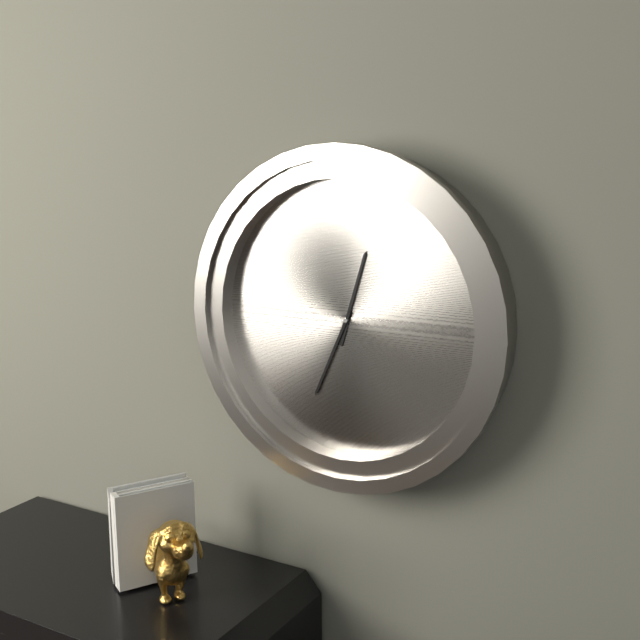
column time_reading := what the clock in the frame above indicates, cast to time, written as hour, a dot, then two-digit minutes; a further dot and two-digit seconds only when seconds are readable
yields 12.34
